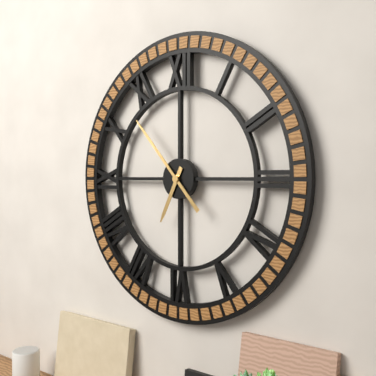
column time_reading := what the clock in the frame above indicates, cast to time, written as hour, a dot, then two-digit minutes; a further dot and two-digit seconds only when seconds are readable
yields 6.53
